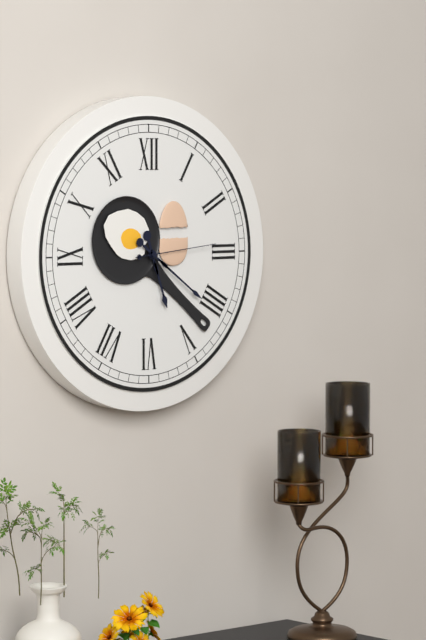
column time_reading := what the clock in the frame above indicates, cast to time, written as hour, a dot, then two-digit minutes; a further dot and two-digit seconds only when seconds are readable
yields 5.21.14
